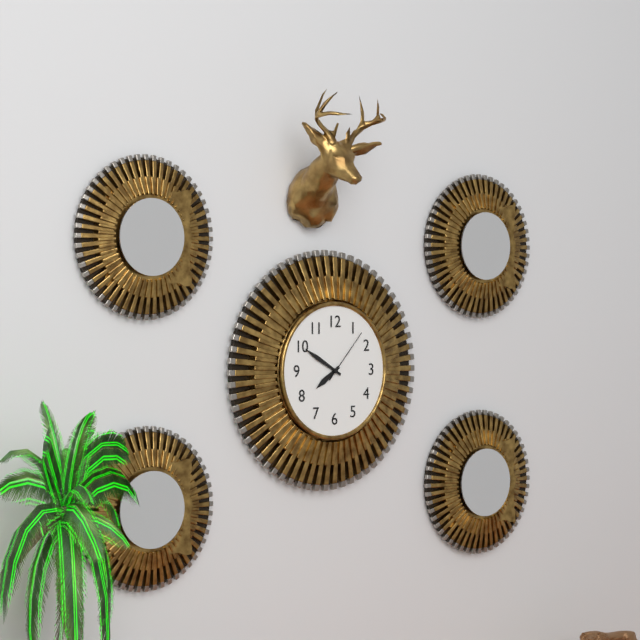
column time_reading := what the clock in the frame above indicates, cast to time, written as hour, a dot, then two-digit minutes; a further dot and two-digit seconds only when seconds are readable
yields 7.50.07
